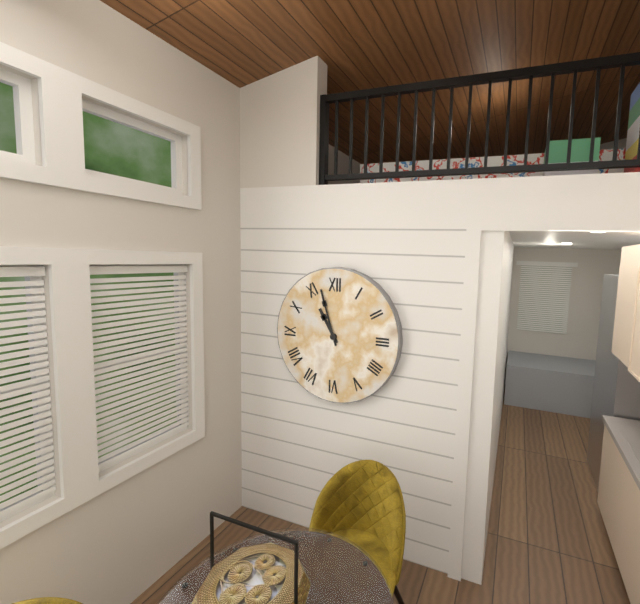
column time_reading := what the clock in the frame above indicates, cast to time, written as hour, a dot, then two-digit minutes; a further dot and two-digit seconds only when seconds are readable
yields 10.57
